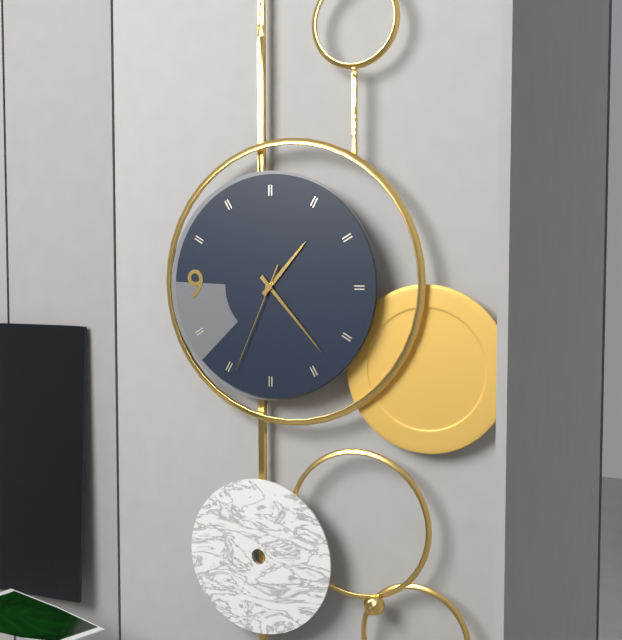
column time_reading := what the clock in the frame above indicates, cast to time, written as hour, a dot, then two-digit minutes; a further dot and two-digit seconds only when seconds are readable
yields 1.23.34
